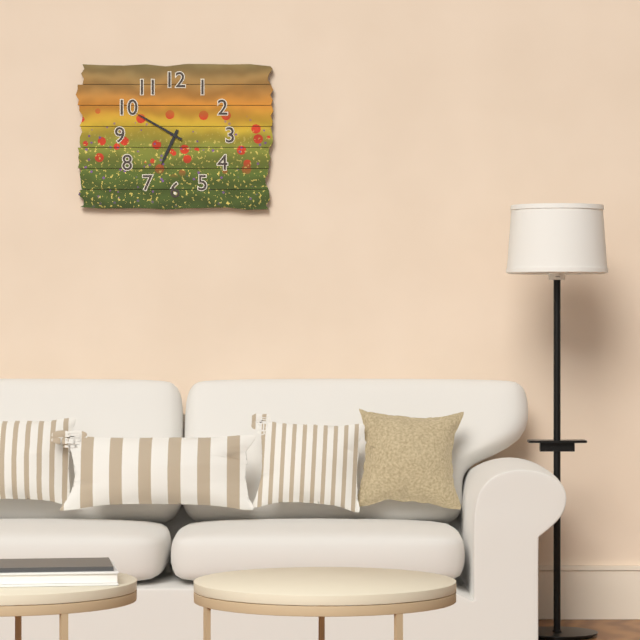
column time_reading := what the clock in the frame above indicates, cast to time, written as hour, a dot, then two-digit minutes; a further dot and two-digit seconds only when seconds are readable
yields 6.50
